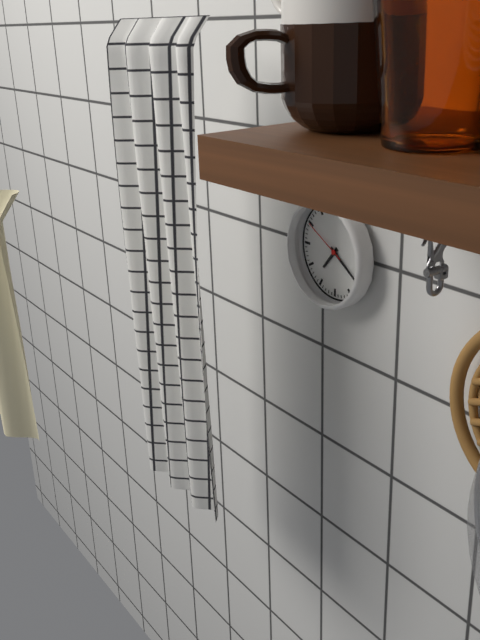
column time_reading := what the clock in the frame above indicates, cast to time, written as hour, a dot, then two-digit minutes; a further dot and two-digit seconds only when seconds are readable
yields 7.21
